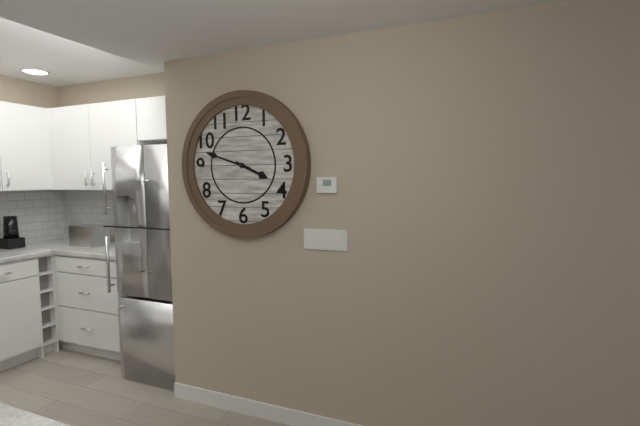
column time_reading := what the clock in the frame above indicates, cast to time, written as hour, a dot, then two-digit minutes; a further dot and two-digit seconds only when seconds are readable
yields 3.48
